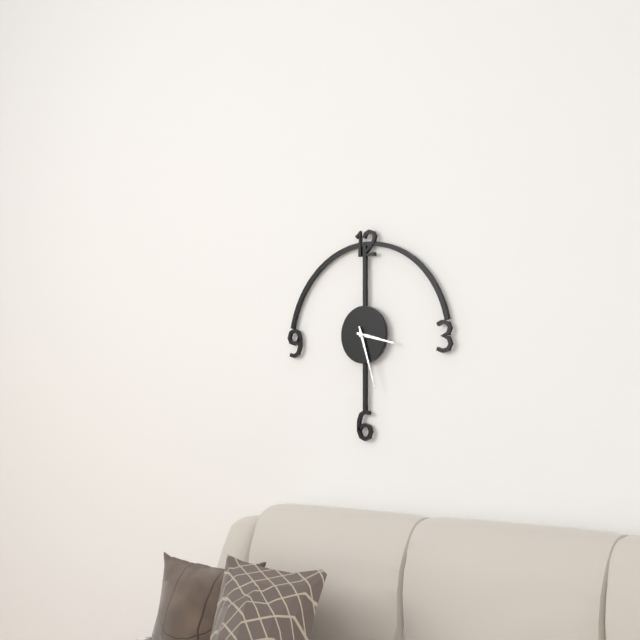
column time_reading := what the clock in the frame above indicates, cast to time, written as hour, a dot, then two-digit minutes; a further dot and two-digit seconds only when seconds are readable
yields 3.27
